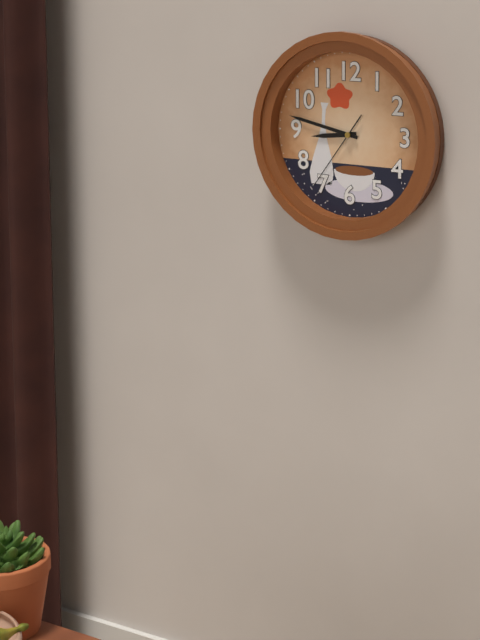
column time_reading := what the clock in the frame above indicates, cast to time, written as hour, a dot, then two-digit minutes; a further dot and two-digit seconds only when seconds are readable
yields 8.47.36
